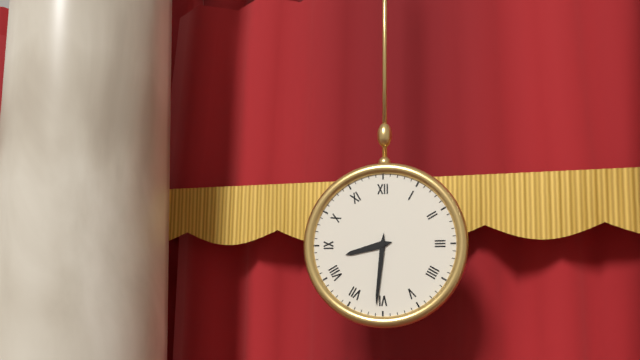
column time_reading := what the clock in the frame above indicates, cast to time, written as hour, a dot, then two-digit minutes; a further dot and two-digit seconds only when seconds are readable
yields 8.31
